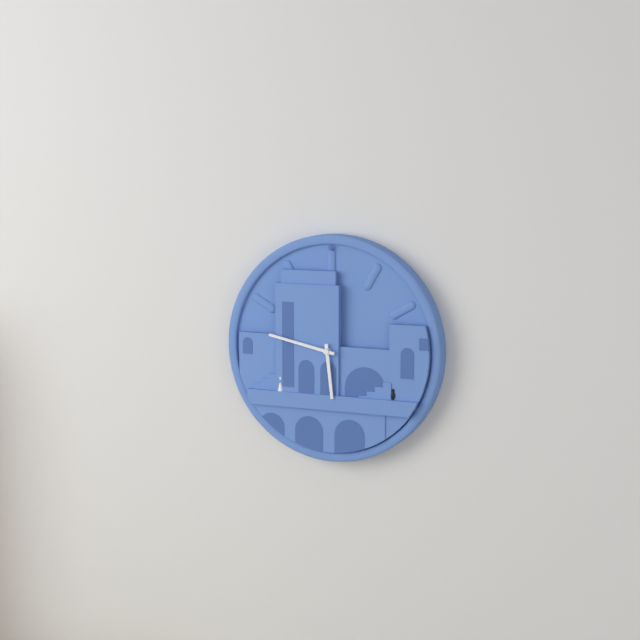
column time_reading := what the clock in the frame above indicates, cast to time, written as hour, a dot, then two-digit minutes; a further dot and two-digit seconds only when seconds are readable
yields 5.47
